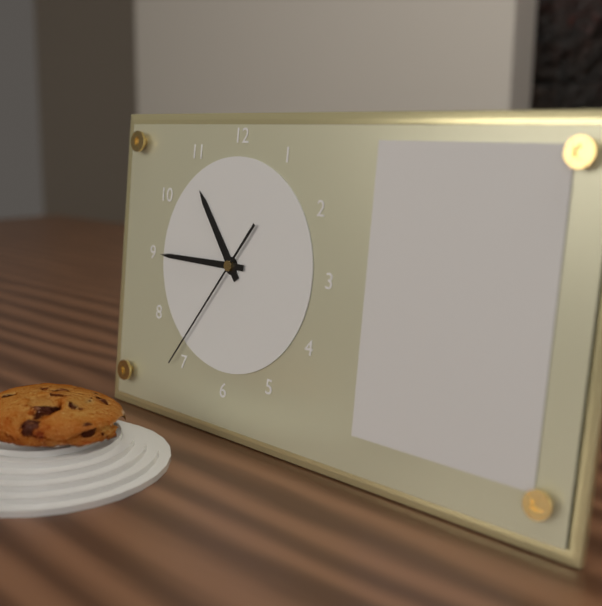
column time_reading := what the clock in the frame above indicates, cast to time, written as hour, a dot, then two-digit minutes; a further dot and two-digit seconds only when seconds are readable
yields 10.45.36
